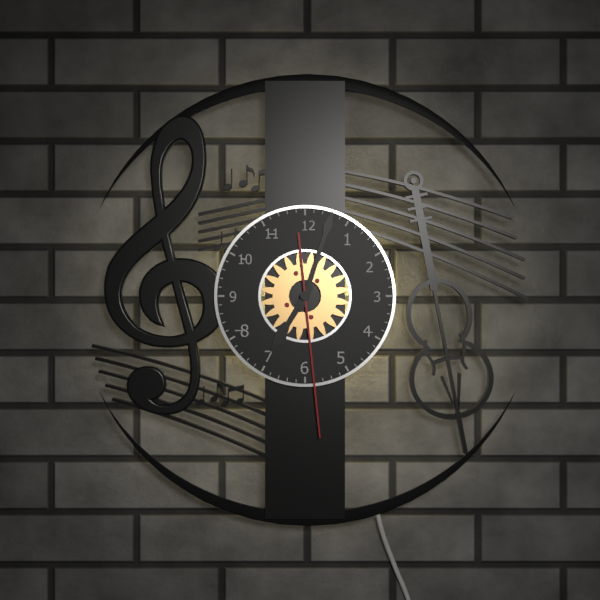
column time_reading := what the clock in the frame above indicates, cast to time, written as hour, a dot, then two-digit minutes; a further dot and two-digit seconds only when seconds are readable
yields 7.03.29
